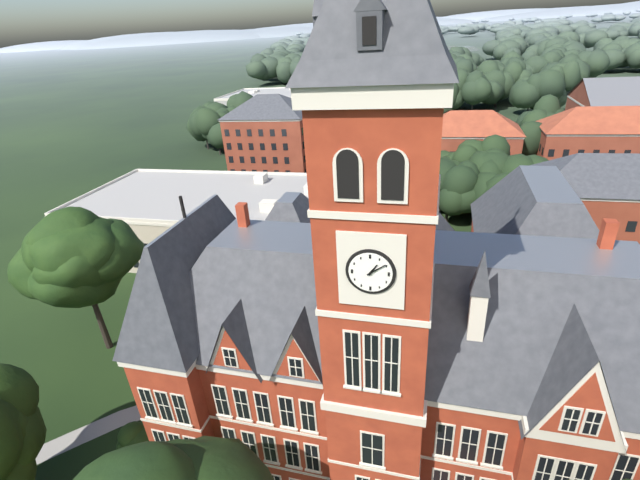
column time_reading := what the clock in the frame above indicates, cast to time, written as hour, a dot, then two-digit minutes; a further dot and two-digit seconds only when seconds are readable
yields 1.09
